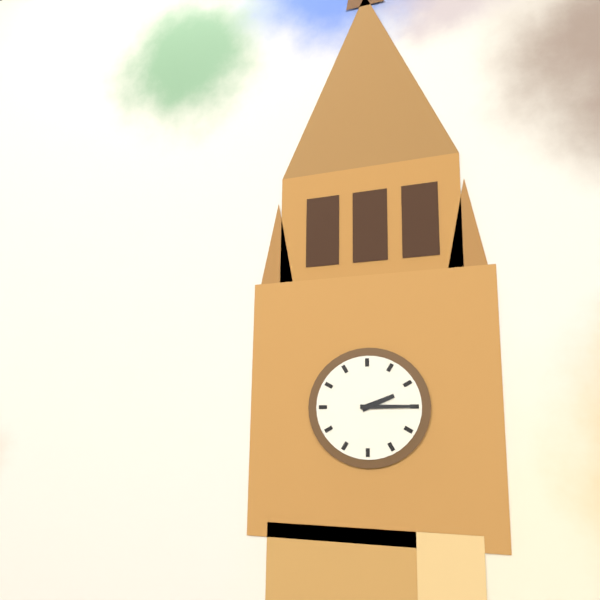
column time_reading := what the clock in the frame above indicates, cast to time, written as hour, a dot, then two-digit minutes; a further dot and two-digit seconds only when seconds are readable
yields 2.15
